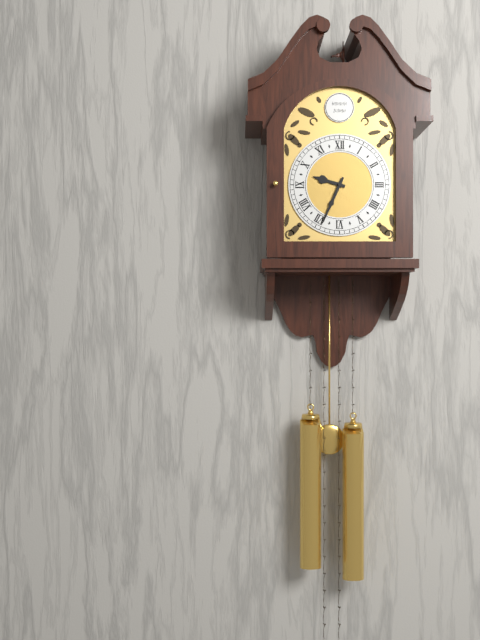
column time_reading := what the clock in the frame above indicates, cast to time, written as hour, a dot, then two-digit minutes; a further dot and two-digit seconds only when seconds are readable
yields 9.34
